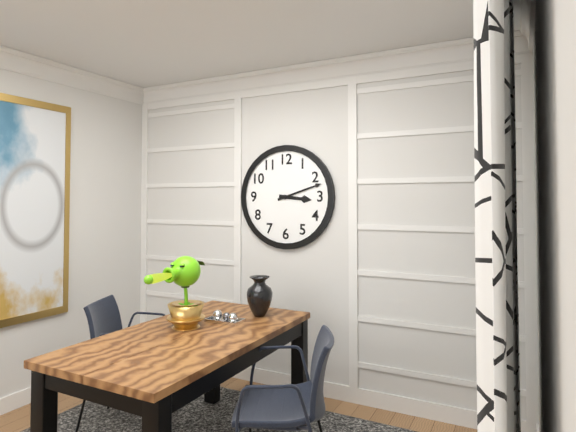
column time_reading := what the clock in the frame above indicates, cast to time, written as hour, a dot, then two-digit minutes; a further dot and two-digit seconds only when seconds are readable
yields 3.12
